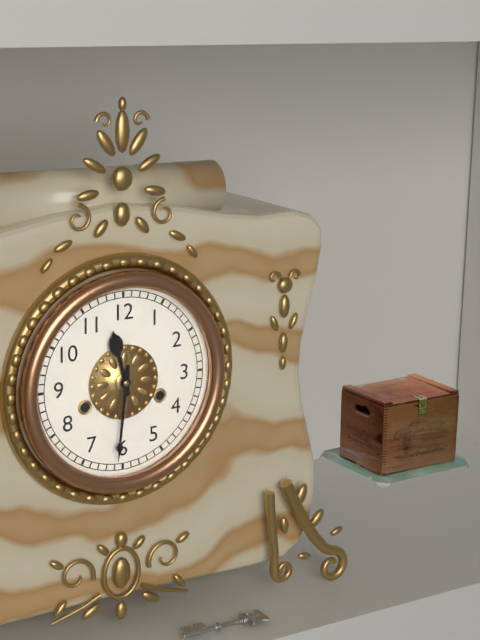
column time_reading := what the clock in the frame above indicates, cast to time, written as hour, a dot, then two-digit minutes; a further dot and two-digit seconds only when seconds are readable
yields 11.31
